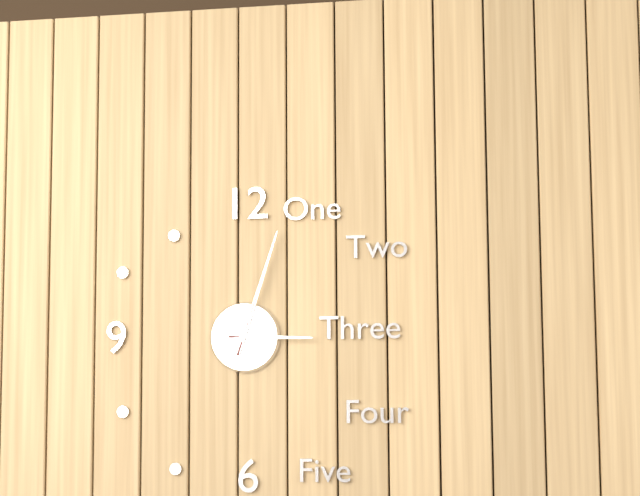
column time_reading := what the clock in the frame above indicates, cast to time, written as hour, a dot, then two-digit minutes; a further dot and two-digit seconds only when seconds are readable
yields 3.03
